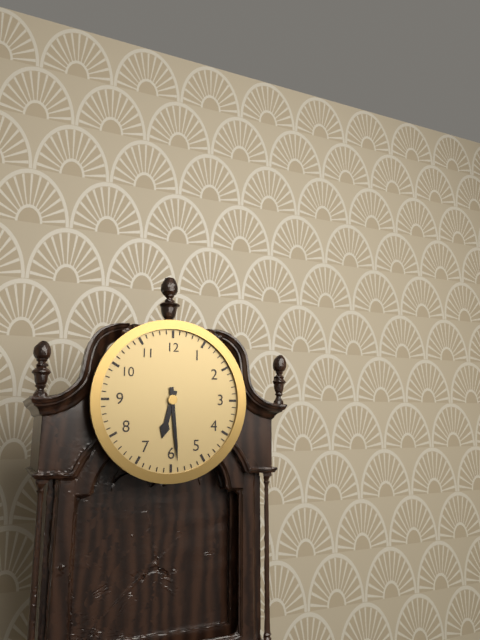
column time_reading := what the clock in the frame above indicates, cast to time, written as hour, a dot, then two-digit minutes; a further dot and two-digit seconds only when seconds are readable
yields 6.29
